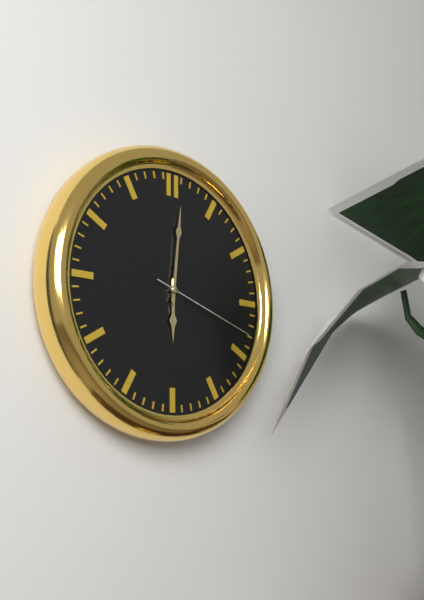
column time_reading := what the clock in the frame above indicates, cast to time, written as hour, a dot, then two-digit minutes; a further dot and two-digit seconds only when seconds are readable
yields 6.01.18
